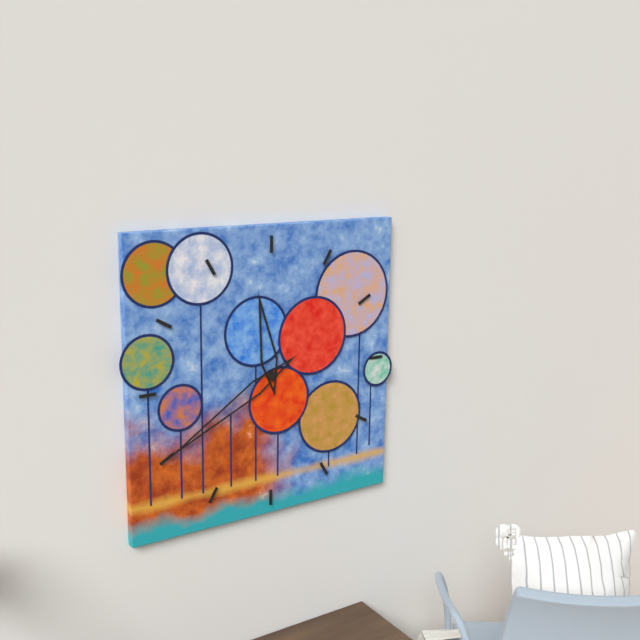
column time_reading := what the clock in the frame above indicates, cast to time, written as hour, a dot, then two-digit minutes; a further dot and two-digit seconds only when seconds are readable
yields 11.40
